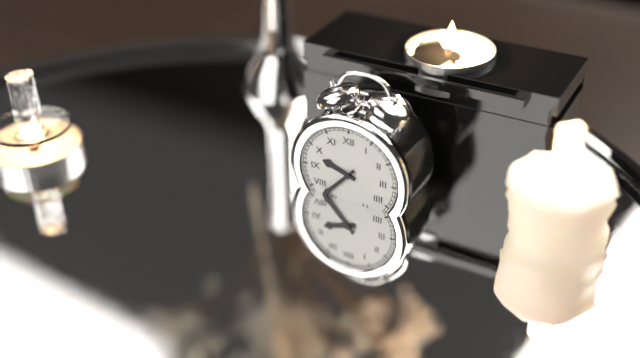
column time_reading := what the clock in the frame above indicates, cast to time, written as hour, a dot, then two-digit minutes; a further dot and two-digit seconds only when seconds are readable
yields 9.37
